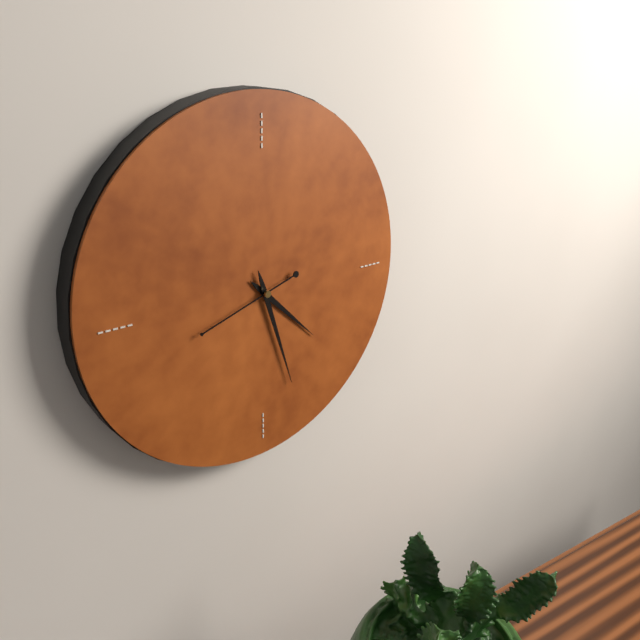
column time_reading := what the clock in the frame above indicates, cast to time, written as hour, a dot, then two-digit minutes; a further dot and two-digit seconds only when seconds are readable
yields 4.27.42
